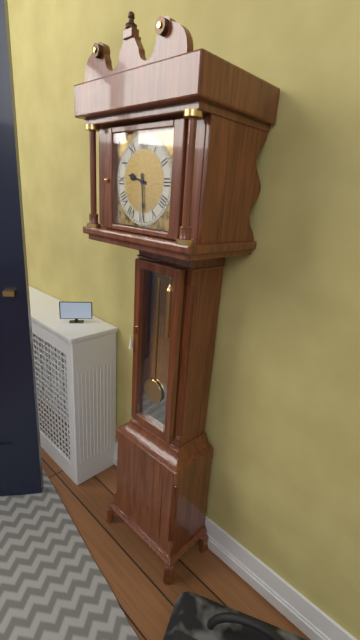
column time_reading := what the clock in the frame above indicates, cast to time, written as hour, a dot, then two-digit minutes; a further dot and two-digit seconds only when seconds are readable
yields 9.29
